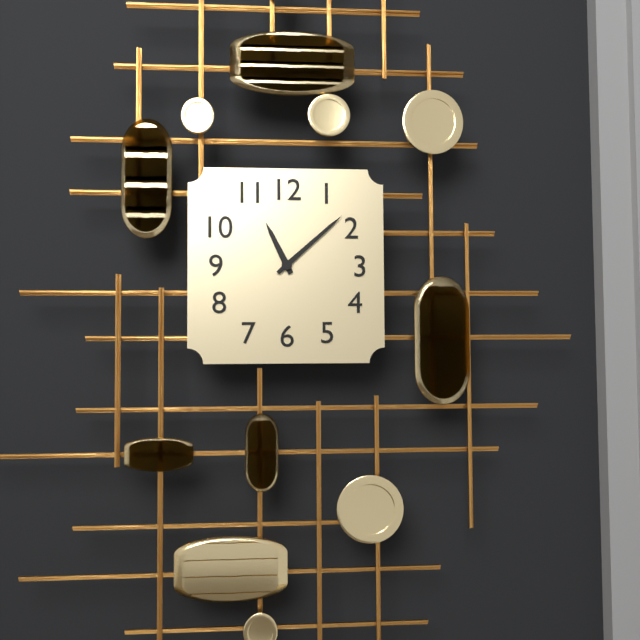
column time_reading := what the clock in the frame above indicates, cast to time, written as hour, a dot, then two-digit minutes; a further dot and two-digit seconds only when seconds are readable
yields 11.08
